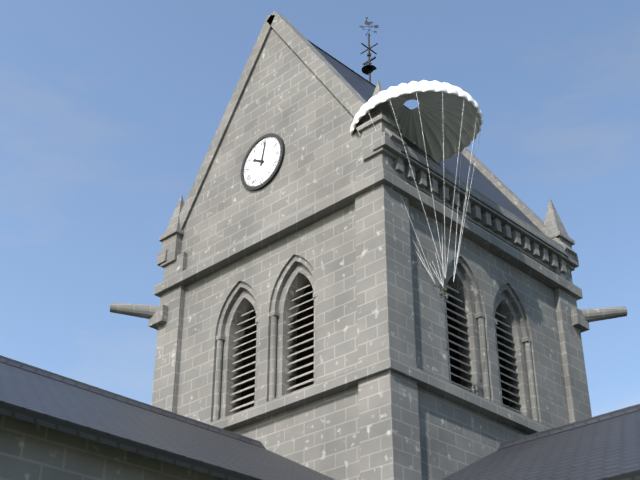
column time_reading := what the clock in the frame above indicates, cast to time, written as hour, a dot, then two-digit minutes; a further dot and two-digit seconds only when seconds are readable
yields 10.02
